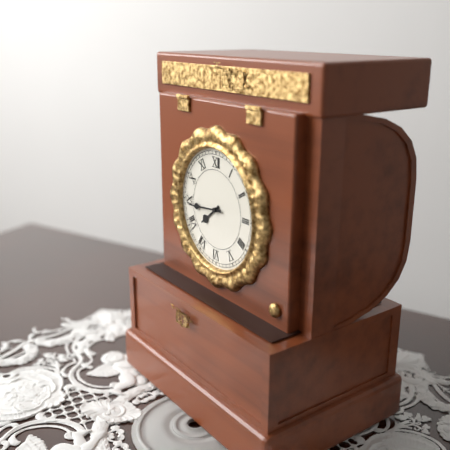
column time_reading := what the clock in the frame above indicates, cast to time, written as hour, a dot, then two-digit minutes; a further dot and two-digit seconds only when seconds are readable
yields 7.44
